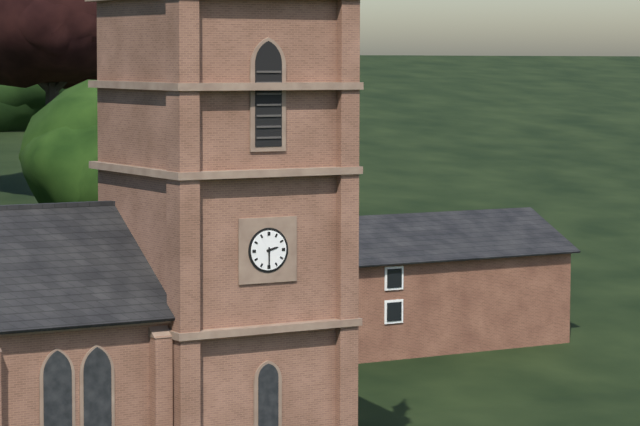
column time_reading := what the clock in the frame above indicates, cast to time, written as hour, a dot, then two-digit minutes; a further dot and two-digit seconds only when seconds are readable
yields 2.30
